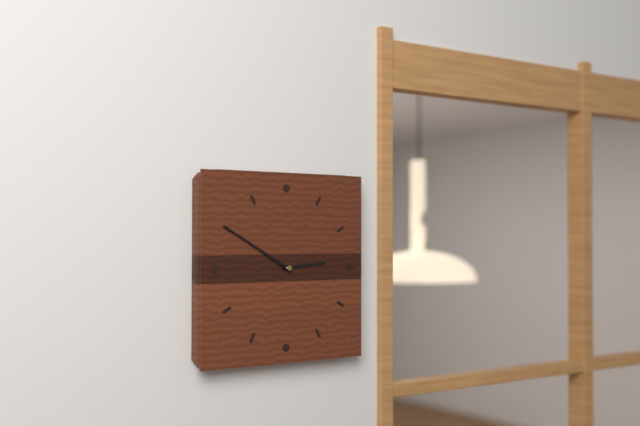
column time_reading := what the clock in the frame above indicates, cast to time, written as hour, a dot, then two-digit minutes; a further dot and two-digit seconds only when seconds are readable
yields 2.50
